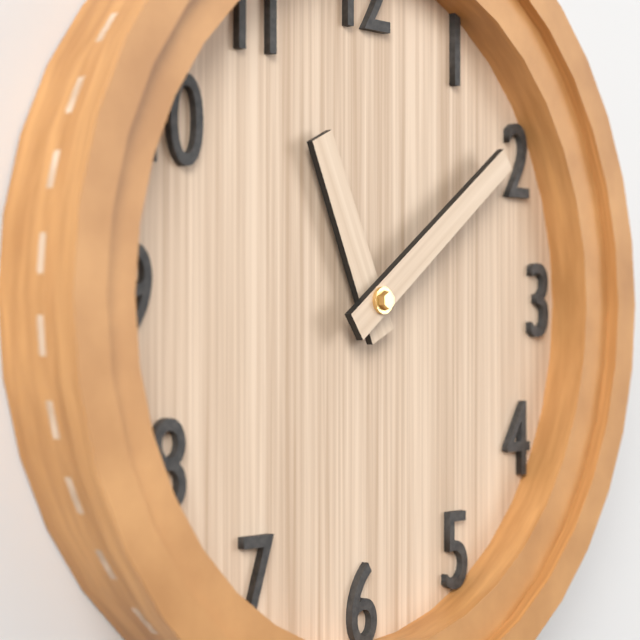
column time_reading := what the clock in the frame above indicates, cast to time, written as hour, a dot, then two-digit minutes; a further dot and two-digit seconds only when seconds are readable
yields 11.09
